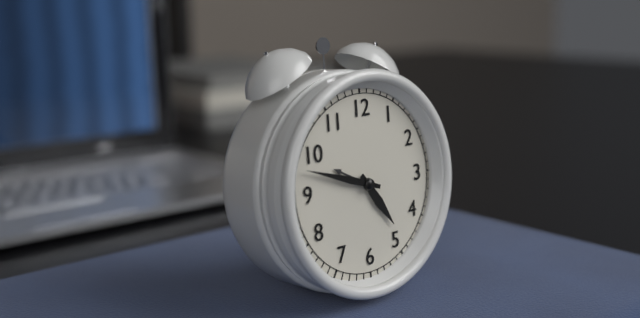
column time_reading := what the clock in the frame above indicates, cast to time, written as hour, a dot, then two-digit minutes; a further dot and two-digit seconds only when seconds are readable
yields 4.48
